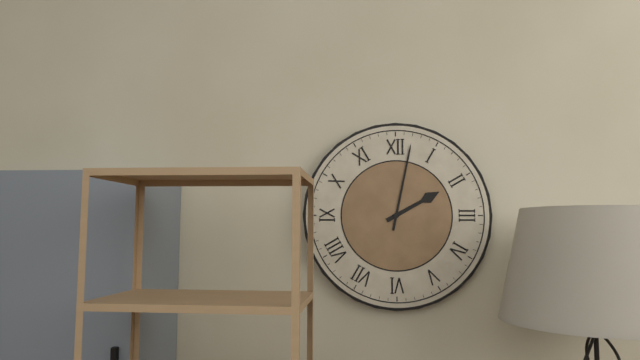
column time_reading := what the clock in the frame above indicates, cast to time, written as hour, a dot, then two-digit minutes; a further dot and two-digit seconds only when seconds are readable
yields 2.02
